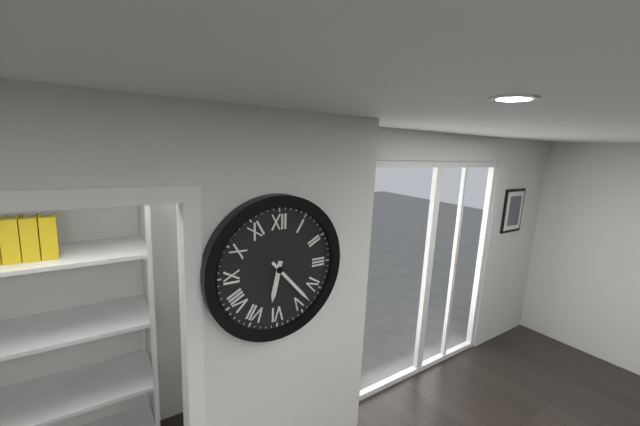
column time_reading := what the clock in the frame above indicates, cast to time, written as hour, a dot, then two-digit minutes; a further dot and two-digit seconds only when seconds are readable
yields 6.23
